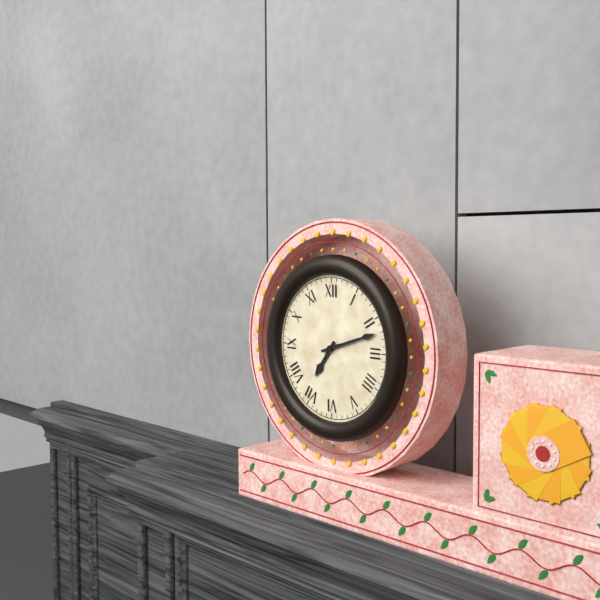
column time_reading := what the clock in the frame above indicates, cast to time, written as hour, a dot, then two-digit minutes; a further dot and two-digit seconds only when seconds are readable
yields 7.12
